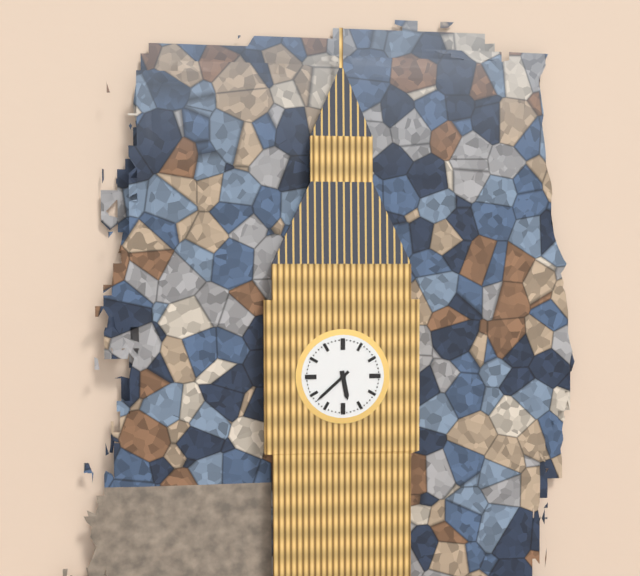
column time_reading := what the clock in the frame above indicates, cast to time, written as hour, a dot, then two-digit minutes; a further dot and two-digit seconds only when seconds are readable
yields 5.38
